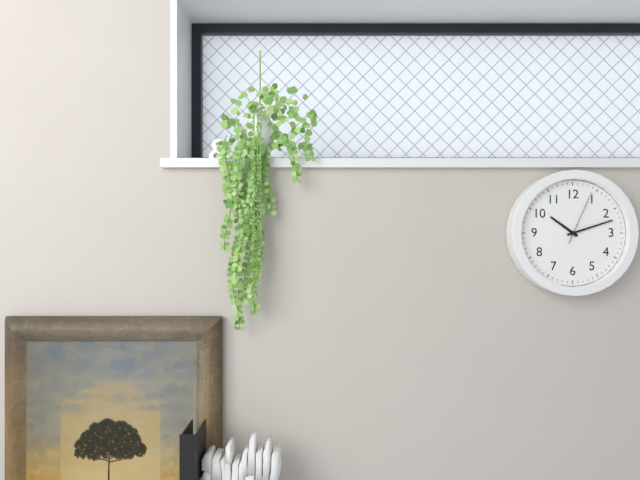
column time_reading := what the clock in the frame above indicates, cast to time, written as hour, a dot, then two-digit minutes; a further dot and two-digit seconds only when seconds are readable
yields 10.12.04
